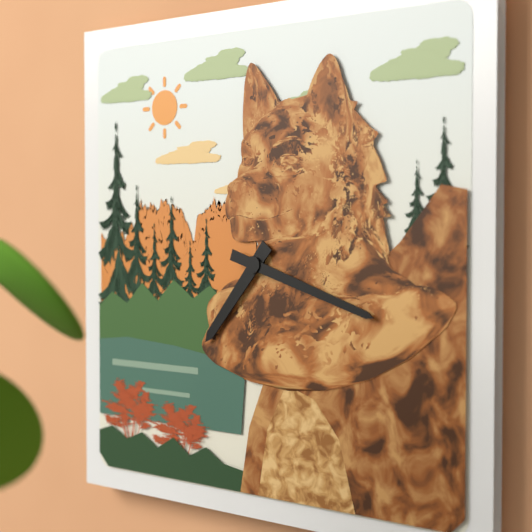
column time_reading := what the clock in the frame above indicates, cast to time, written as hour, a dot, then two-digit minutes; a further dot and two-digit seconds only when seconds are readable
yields 7.18
